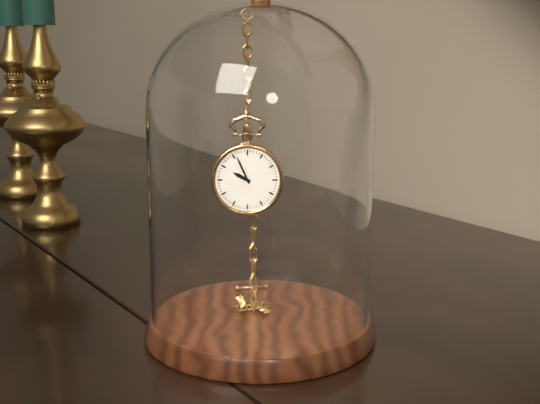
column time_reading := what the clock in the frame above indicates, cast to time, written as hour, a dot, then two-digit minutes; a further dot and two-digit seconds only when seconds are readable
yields 9.56
